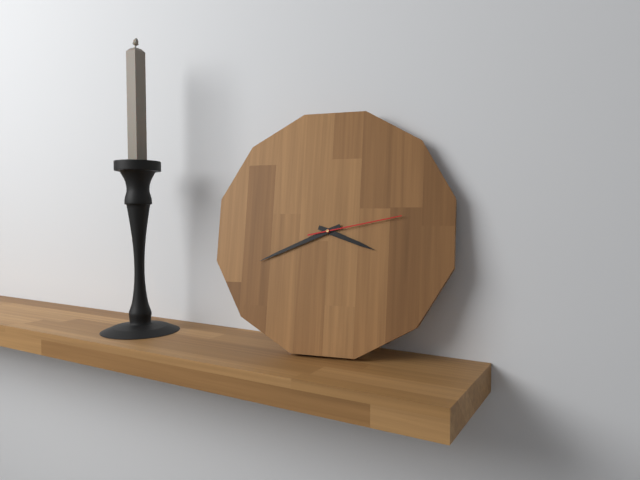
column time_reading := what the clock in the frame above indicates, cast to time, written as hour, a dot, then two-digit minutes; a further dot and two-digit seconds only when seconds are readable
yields 3.41.13
